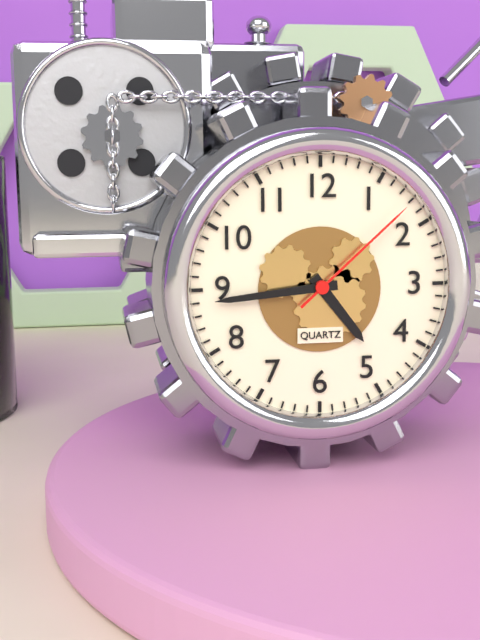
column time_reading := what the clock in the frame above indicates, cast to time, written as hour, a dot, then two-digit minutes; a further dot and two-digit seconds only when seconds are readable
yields 4.44.08
